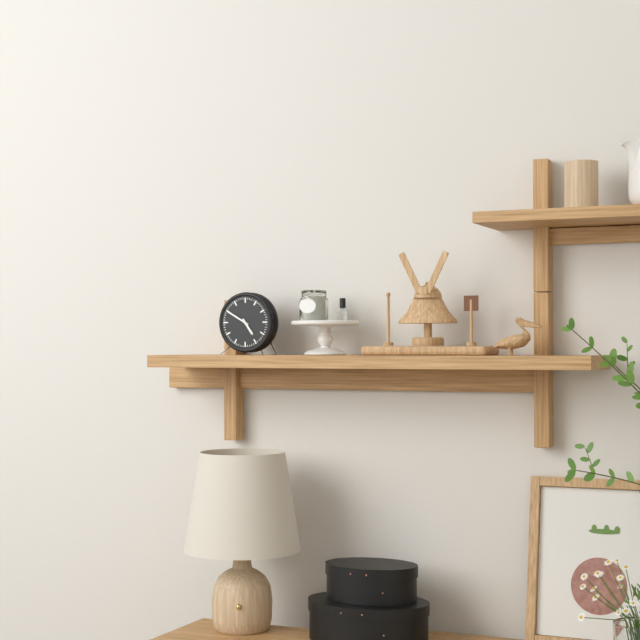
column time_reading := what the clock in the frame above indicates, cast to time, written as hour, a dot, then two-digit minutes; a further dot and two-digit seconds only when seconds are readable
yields 4.50
